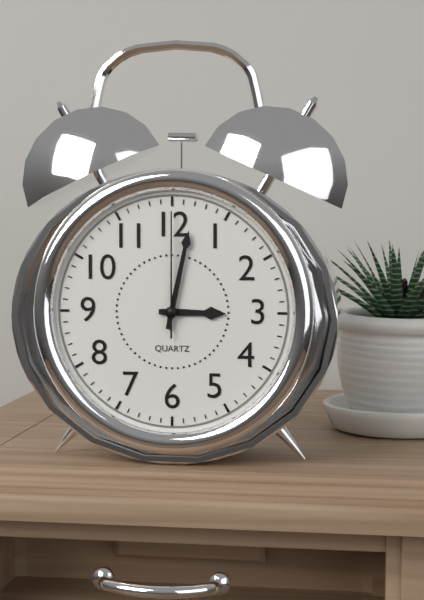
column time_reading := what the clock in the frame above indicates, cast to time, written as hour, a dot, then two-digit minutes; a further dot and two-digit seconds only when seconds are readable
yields 3.02.00
